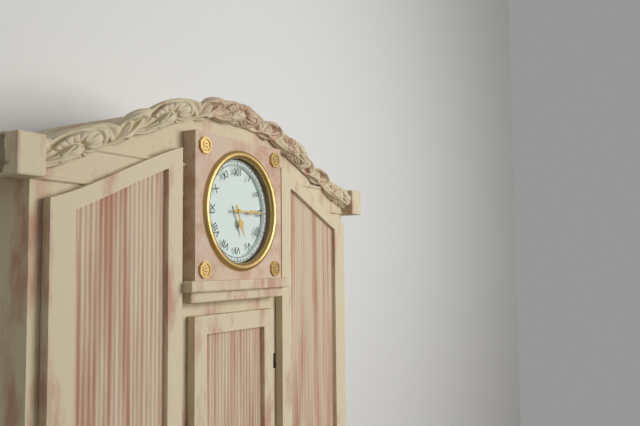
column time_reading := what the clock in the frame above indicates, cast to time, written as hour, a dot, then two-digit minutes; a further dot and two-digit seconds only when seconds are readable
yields 5.15
